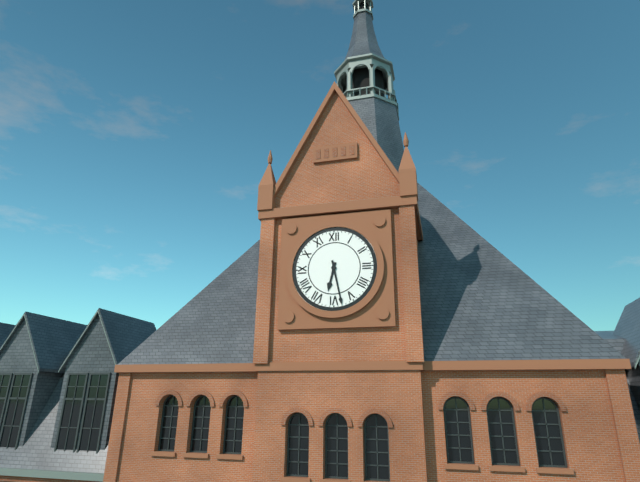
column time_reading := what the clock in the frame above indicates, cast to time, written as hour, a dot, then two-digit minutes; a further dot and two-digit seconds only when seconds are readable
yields 6.28
